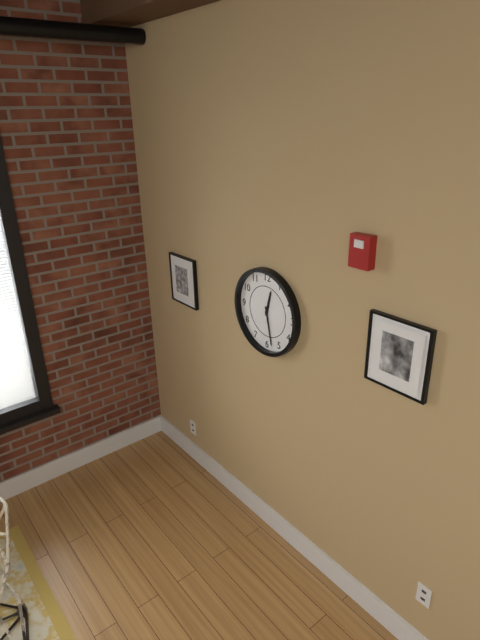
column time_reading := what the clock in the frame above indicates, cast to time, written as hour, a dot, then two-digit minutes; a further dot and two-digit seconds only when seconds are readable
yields 12.28
